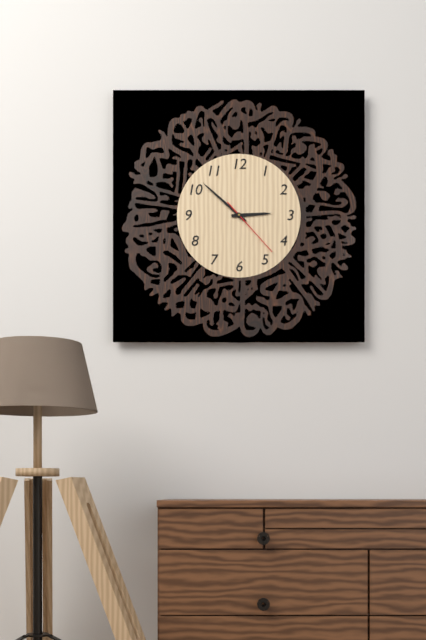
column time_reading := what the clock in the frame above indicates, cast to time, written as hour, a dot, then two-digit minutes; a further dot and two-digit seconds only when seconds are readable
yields 2.52.23
